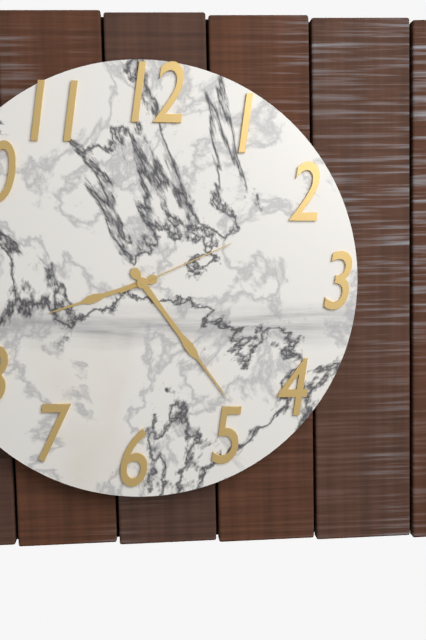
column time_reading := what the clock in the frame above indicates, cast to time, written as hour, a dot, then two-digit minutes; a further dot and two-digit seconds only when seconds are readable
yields 8.24.11
